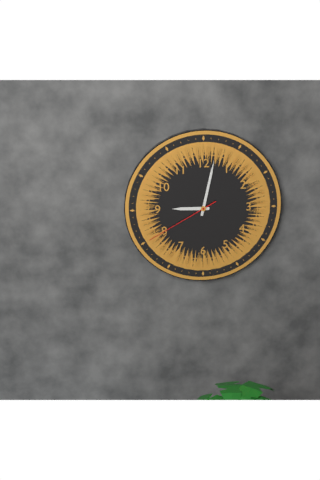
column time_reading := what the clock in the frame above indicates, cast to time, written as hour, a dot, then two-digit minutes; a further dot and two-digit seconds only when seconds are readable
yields 9.02.40
